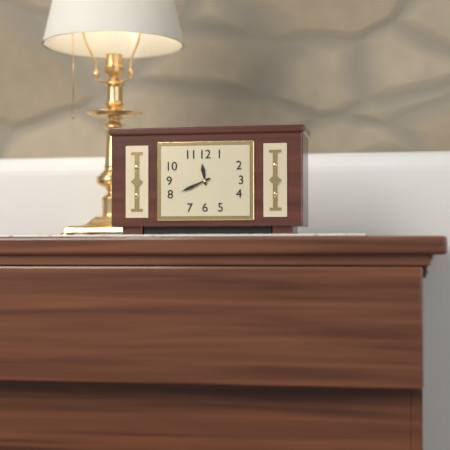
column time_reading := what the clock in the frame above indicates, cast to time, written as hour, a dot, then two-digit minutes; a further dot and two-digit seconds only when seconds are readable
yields 11.41
